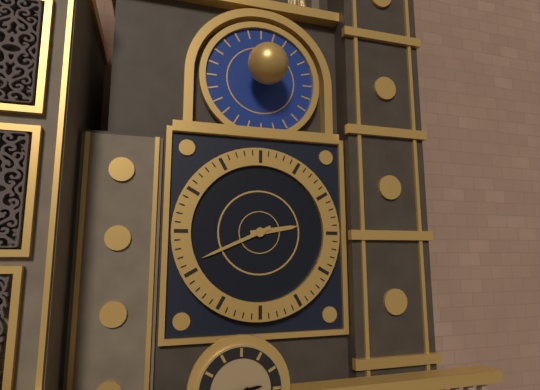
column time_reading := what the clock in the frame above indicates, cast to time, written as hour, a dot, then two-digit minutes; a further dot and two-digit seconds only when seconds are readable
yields 2.41
